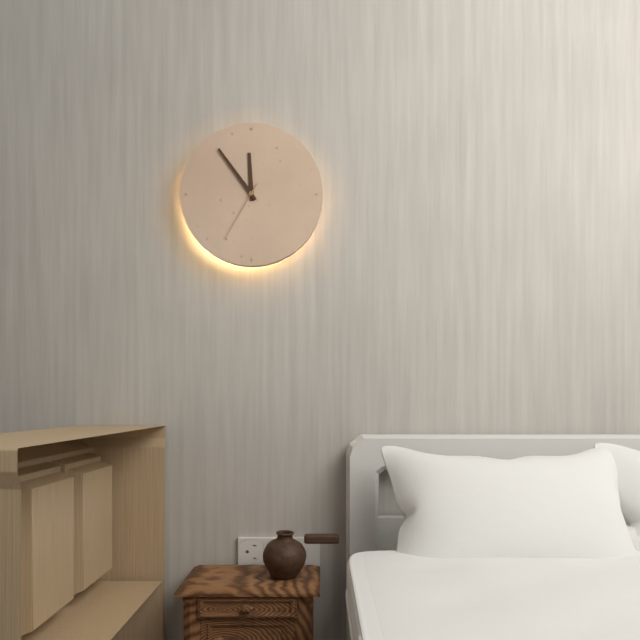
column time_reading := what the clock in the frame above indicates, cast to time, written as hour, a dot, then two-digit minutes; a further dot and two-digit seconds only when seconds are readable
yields 11.54.35
